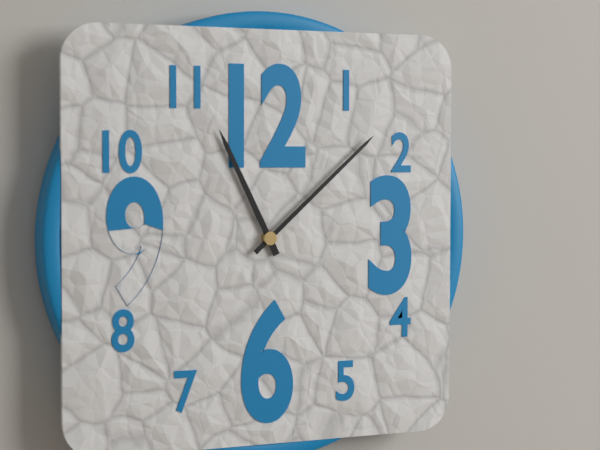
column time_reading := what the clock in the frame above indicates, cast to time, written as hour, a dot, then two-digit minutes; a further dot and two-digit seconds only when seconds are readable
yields 11.08
